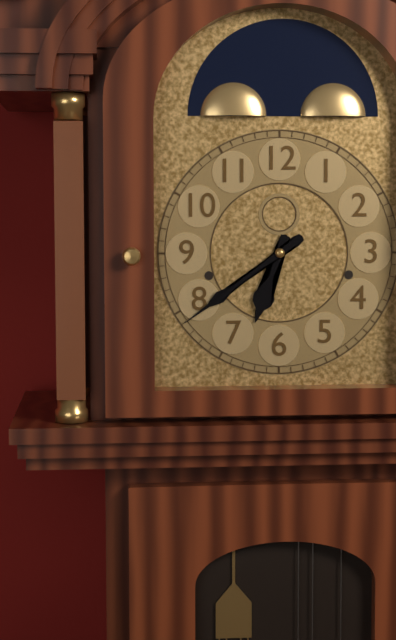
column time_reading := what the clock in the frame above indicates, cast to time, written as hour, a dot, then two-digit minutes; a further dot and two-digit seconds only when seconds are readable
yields 6.39
